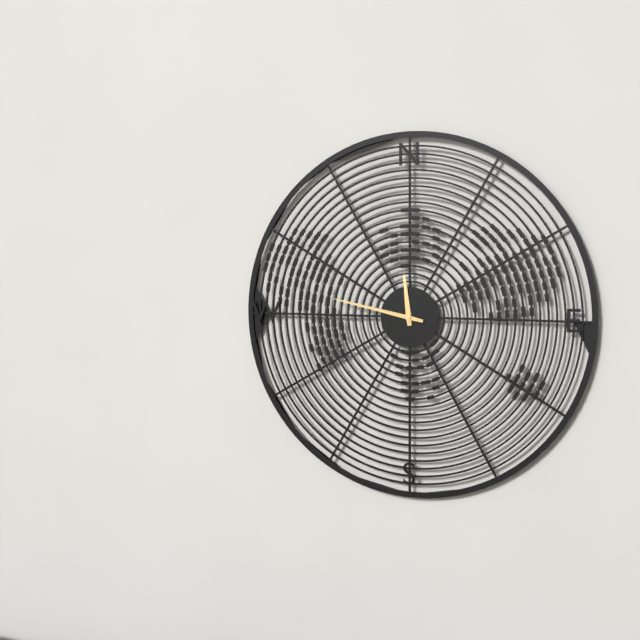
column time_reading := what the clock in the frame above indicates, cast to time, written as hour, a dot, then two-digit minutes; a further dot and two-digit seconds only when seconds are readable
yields 11.47
